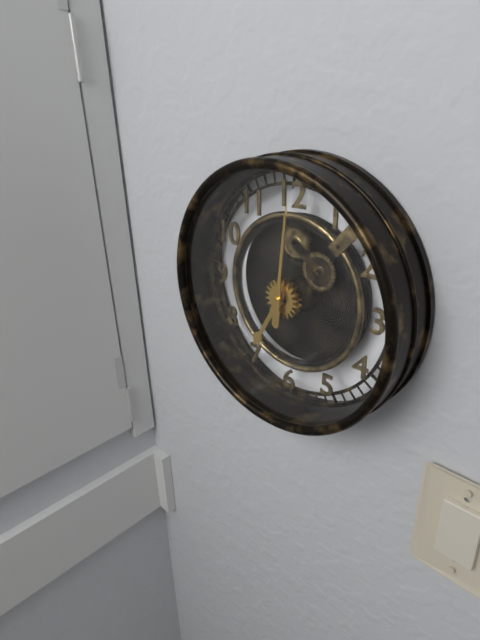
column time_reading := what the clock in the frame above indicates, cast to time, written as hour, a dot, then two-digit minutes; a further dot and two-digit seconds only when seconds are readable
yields 7.01
